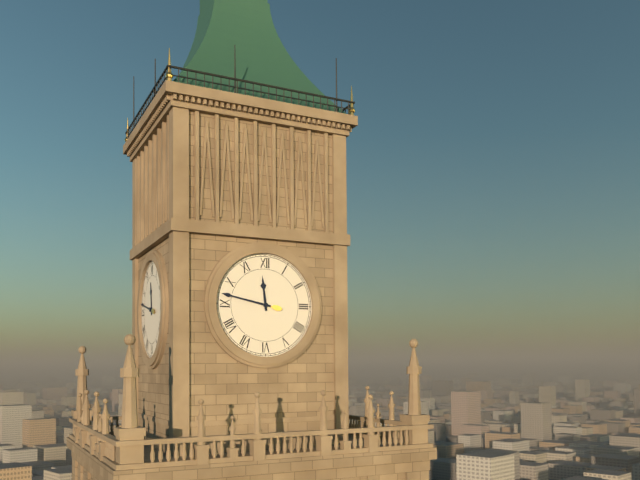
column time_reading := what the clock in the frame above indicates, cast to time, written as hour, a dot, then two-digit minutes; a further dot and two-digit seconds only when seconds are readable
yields 11.47
